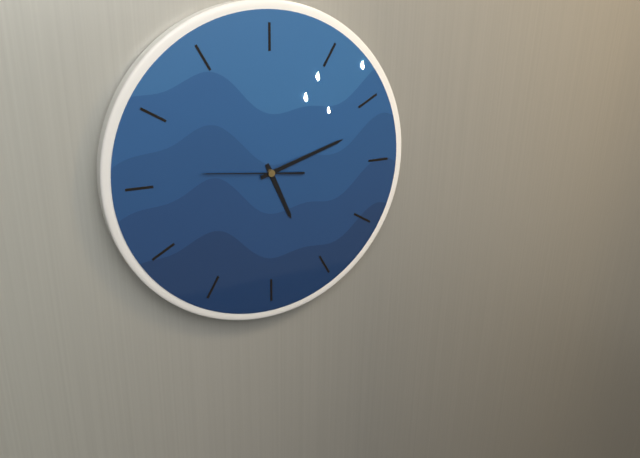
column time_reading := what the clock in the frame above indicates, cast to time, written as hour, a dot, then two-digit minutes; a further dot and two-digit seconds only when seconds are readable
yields 5.12.46
